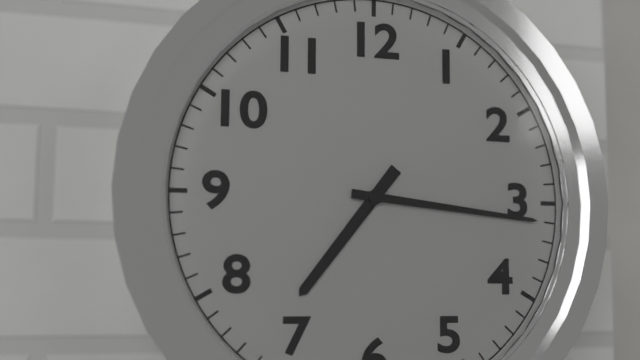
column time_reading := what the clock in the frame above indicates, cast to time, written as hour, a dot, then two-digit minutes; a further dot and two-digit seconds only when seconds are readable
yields 7.16
